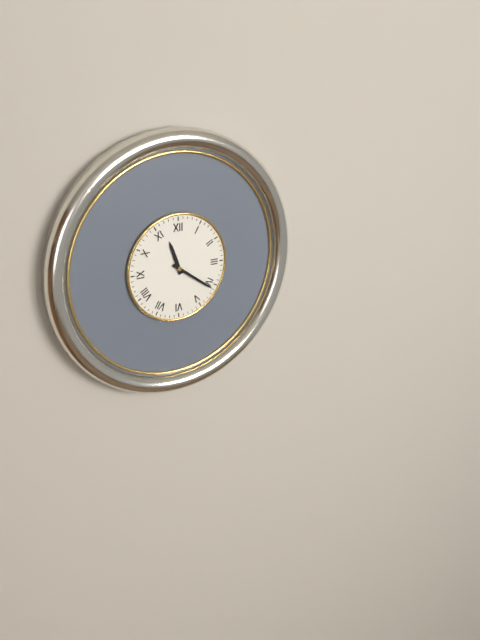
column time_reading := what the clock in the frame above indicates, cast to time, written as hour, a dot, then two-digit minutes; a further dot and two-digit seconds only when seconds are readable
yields 11.21
